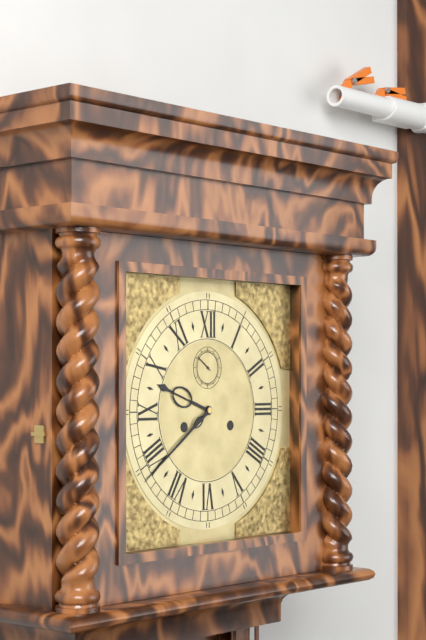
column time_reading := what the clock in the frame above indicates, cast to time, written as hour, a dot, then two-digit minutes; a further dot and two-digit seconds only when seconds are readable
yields 9.39
